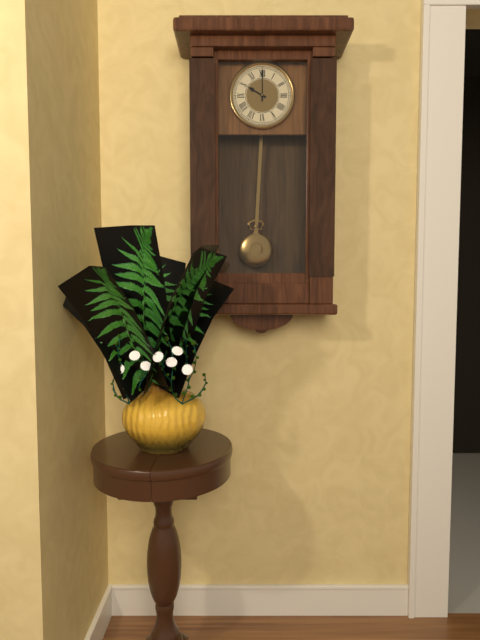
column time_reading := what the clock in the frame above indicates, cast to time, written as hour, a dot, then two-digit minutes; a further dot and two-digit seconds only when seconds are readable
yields 10.00
